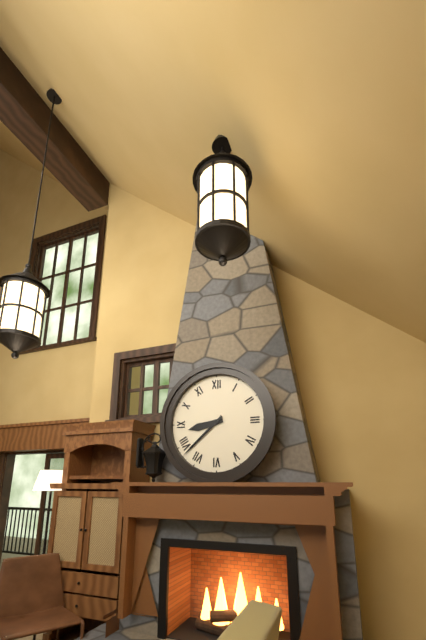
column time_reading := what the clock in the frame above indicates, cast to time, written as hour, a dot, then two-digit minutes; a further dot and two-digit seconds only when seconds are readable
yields 8.38
